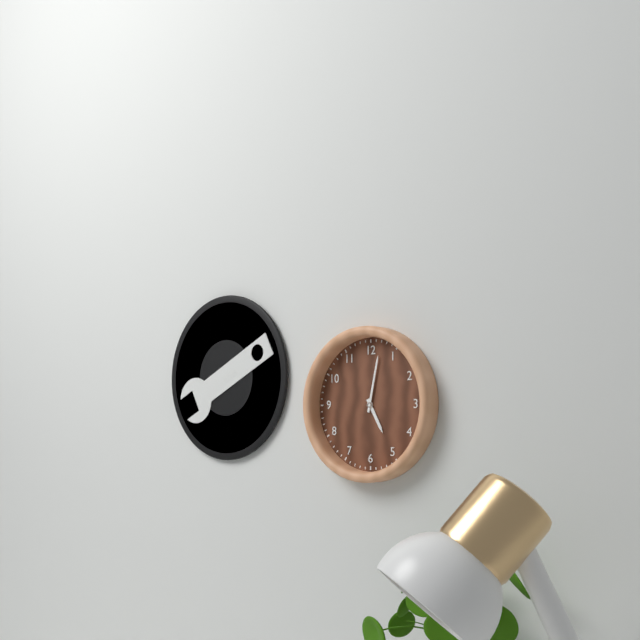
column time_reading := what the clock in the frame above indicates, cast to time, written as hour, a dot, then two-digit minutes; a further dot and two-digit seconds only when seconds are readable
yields 5.02
